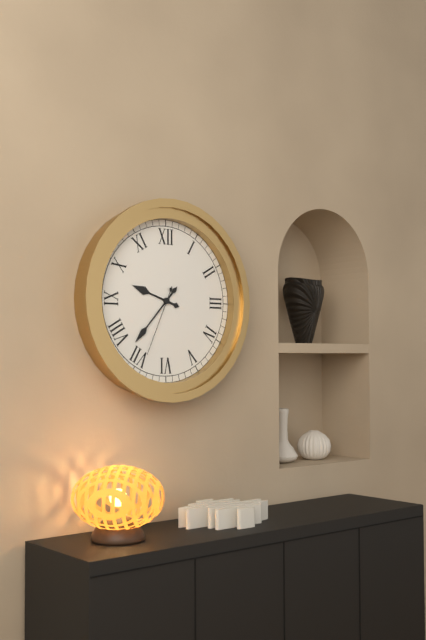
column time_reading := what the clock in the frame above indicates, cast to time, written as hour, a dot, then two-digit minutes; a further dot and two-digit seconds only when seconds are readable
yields 9.37.34
